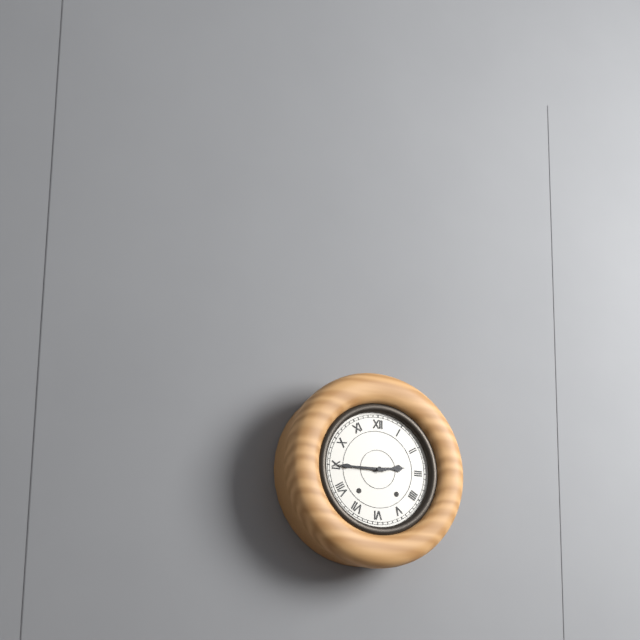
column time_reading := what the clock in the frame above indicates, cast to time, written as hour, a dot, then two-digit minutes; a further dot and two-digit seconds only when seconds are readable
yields 2.45
